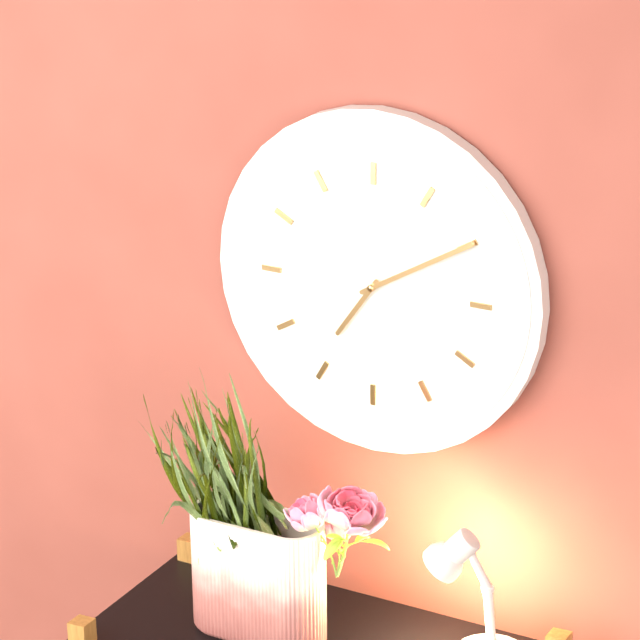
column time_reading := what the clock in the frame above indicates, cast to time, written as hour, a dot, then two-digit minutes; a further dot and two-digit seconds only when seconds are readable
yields 7.10
